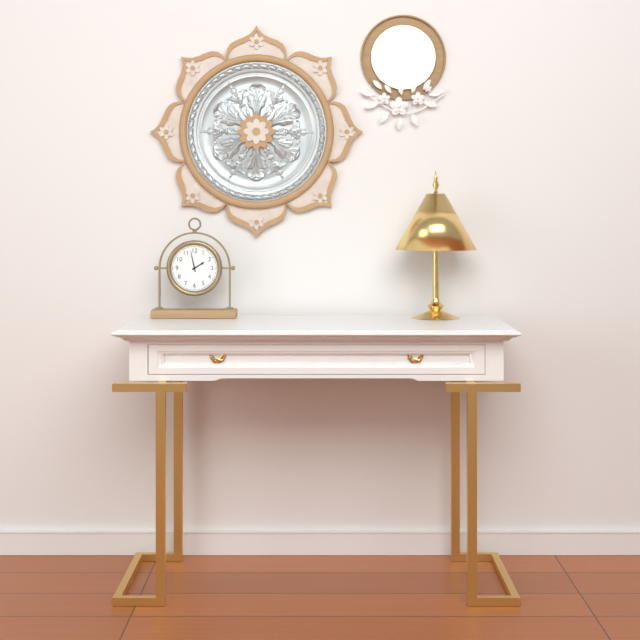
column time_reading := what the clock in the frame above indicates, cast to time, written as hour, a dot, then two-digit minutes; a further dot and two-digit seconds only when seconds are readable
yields 1.58
